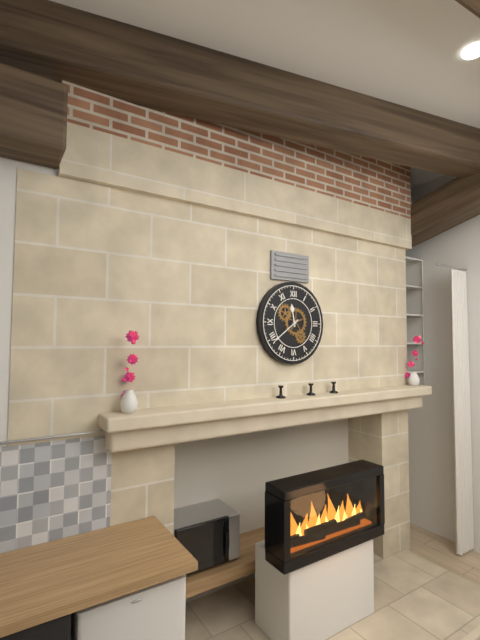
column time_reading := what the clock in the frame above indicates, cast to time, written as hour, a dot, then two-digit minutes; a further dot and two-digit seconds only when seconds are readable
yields 11.39
